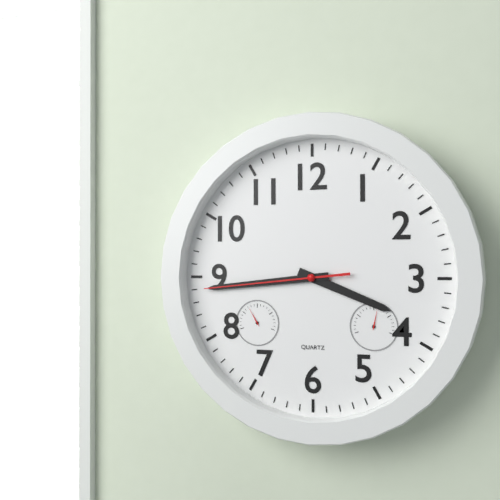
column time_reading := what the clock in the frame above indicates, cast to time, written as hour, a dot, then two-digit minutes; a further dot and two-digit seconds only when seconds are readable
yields 3.44.44
